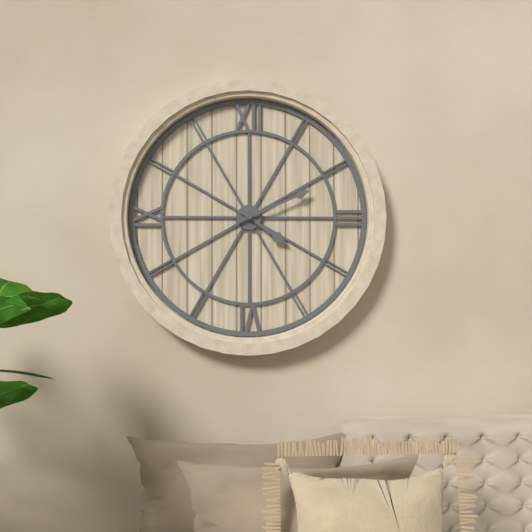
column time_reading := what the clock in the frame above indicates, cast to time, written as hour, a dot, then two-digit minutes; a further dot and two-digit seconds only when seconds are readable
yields 4.11
